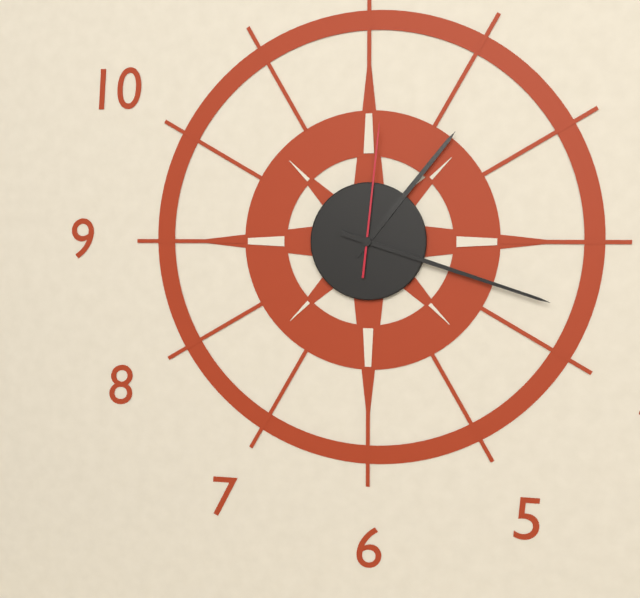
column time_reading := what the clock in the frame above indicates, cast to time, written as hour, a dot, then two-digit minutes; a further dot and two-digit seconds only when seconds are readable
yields 1.18.01
